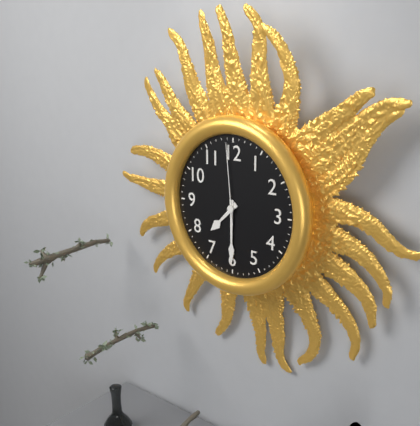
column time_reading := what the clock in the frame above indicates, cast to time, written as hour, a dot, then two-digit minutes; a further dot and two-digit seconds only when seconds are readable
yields 7.30.59
